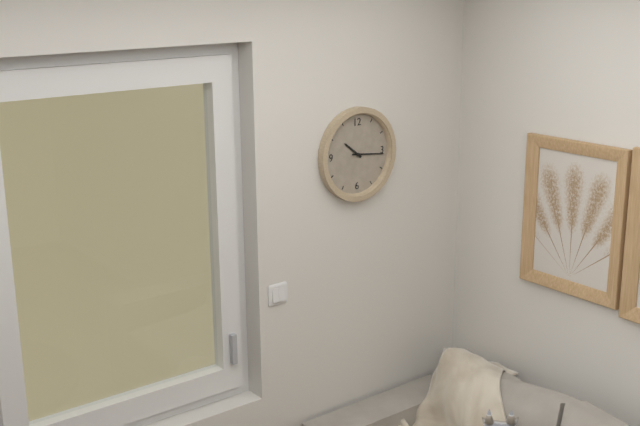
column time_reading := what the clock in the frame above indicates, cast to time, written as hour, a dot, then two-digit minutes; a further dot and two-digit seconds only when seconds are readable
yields 10.16
